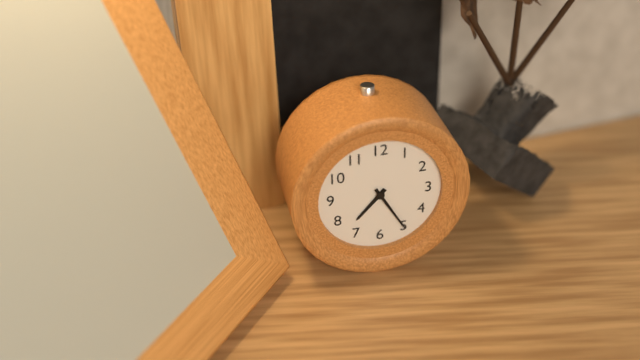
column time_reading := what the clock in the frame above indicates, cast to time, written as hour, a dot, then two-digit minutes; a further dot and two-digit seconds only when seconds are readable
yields 7.25
